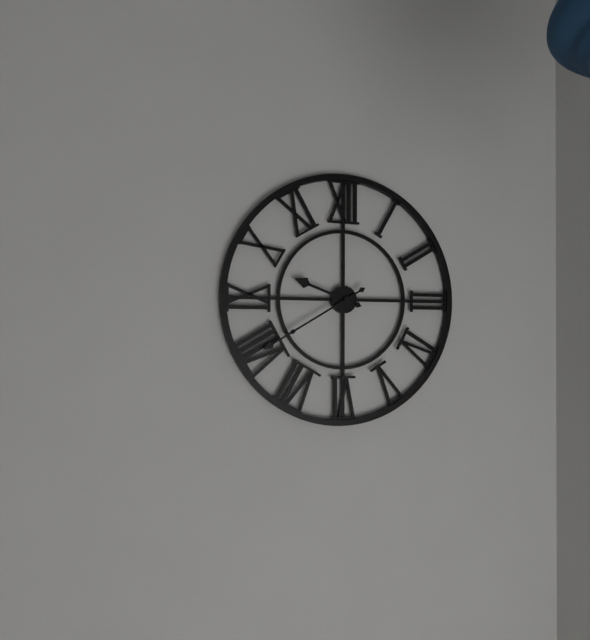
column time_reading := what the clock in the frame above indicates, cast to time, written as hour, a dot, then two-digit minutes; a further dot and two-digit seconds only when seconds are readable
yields 9.40
